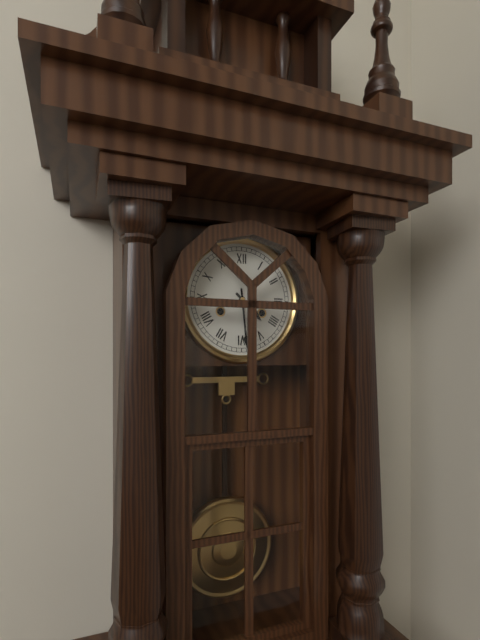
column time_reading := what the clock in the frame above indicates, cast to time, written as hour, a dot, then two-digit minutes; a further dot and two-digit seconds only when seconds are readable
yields 4.29
